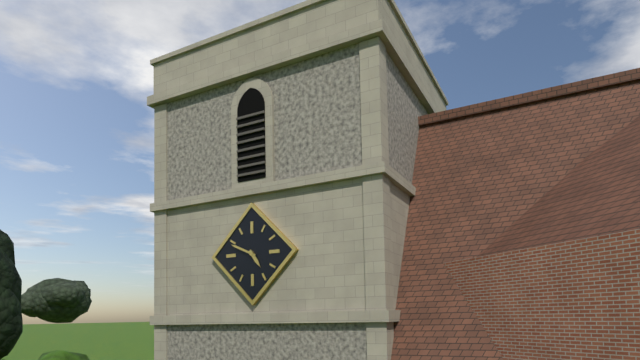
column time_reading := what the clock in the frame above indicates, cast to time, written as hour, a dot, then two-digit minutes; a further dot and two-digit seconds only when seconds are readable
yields 4.49
